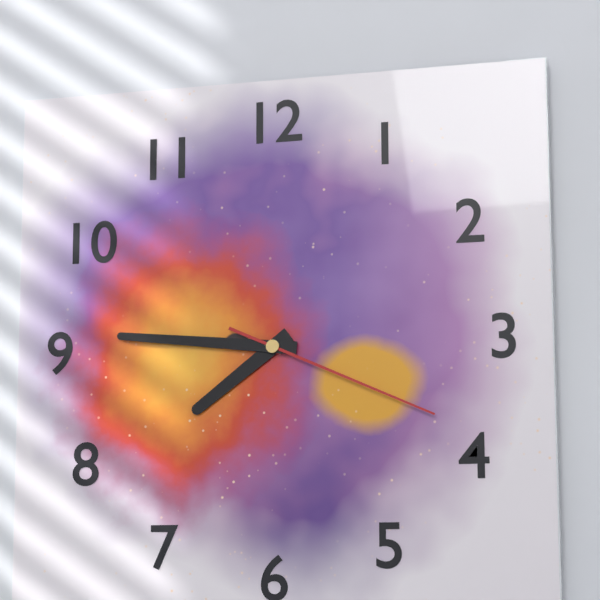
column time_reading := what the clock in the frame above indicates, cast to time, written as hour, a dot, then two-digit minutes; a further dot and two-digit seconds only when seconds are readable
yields 7.46.19
